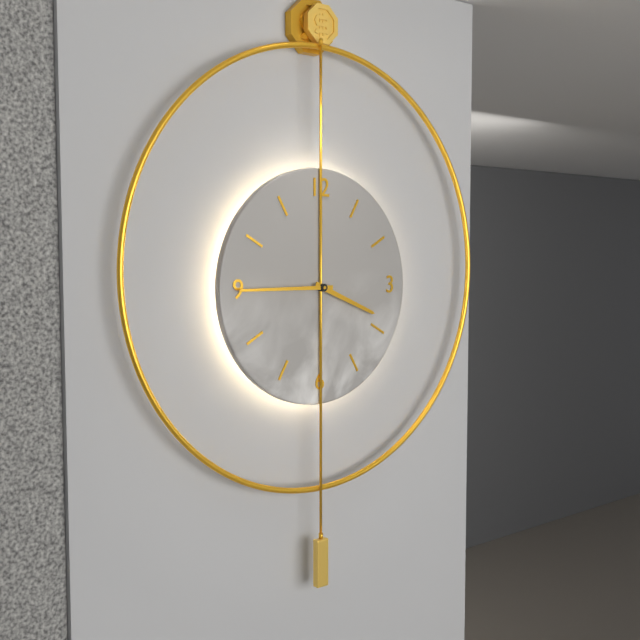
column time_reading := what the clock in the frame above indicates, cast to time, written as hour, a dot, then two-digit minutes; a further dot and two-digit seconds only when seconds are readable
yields 3.45
